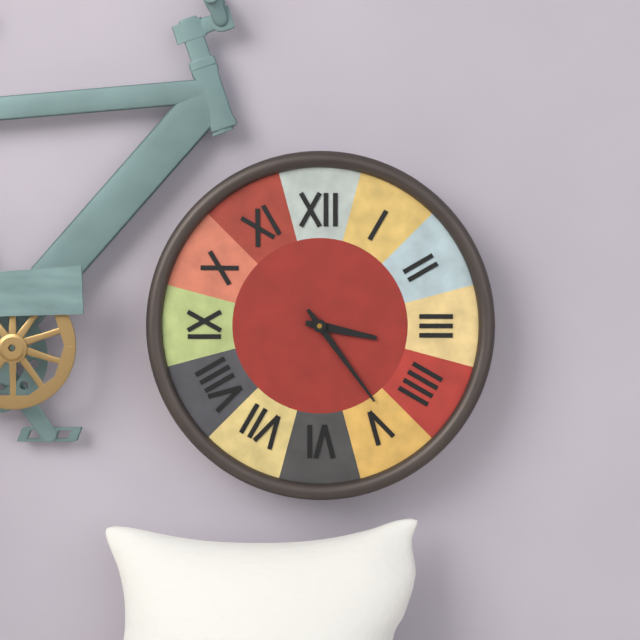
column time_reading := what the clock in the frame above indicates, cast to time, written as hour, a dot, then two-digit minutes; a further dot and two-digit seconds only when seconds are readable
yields 3.24
